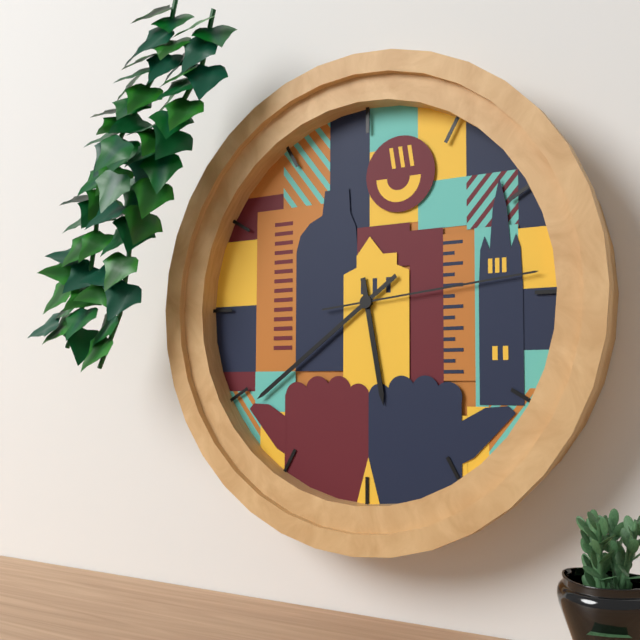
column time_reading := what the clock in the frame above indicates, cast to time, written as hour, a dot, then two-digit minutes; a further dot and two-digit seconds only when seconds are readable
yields 5.39.14
